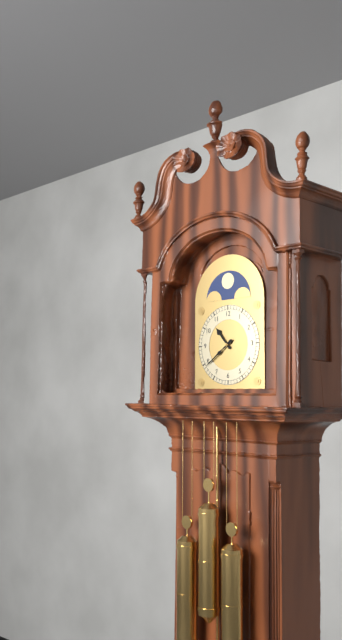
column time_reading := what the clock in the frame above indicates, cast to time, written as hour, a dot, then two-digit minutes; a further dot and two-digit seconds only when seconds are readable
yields 10.39
